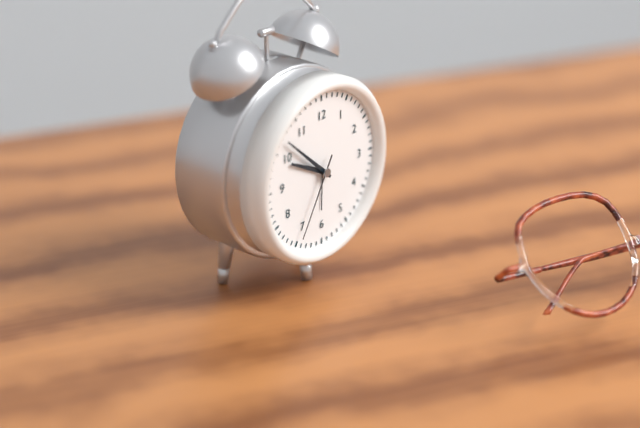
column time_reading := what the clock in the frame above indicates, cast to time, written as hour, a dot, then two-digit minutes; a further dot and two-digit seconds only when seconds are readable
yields 9.52.35
